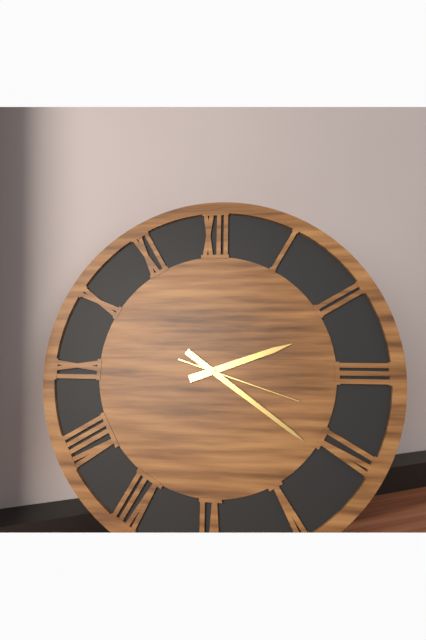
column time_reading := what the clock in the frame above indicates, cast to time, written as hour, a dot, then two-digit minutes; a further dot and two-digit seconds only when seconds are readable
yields 2.21.18
